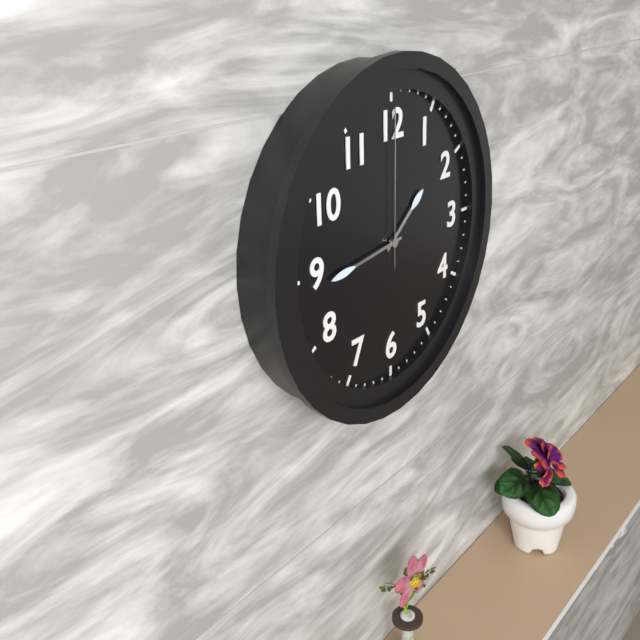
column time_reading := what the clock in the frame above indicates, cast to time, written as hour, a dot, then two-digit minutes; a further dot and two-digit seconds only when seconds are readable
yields 1.44.00
